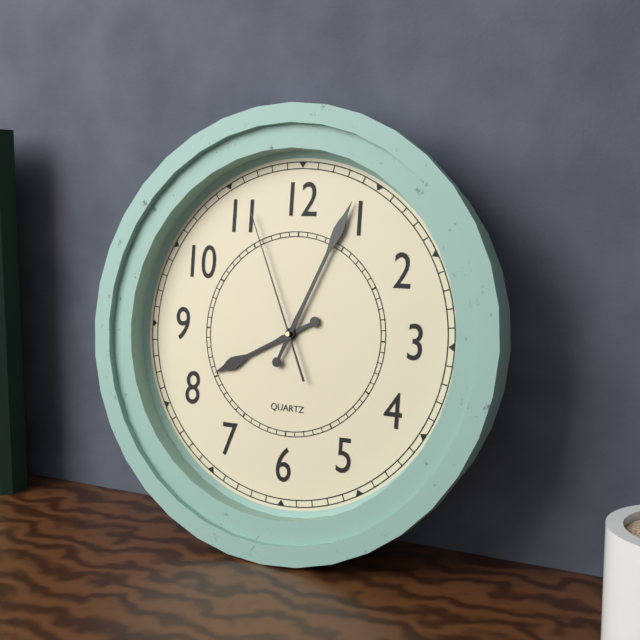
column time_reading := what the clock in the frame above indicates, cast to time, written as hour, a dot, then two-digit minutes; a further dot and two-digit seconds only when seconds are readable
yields 8.04.56
